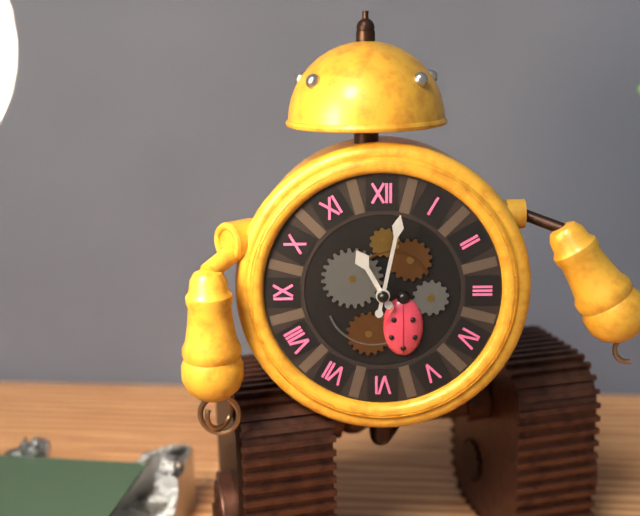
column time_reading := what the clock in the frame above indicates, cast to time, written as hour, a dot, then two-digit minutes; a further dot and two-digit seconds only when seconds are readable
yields 11.02
